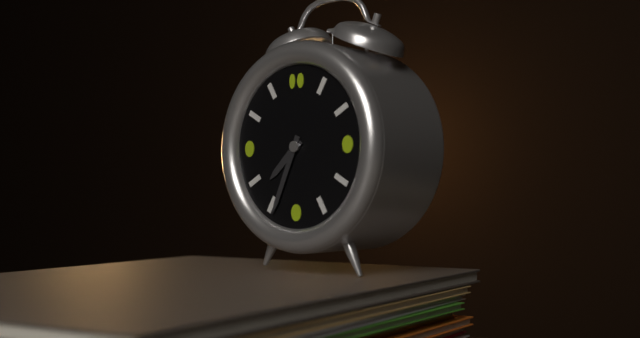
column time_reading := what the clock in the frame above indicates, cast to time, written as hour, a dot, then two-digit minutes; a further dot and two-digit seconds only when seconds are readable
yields 7.34
